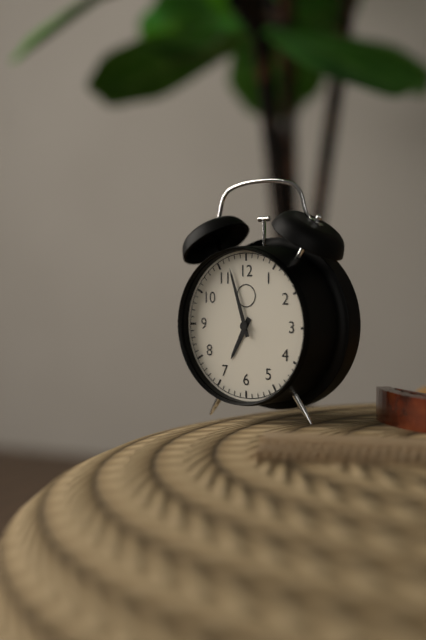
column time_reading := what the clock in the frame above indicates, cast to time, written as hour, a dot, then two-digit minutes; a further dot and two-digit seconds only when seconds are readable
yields 6.57
